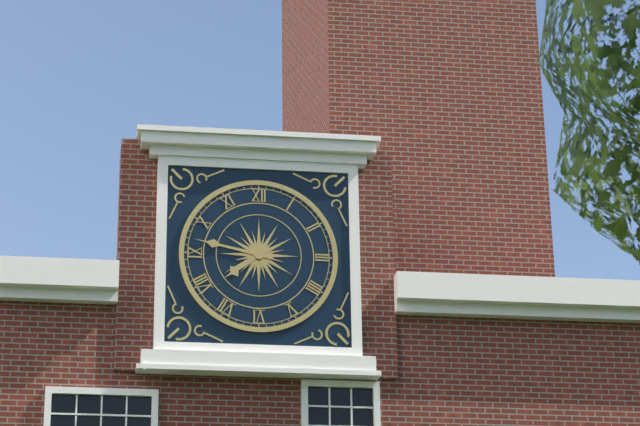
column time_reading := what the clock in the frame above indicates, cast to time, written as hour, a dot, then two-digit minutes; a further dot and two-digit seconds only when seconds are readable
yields 7.47
